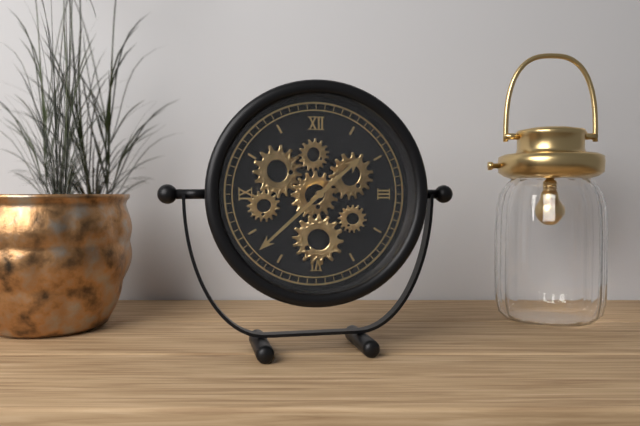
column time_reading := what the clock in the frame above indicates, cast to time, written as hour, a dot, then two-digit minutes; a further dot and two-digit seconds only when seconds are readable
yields 1.38
